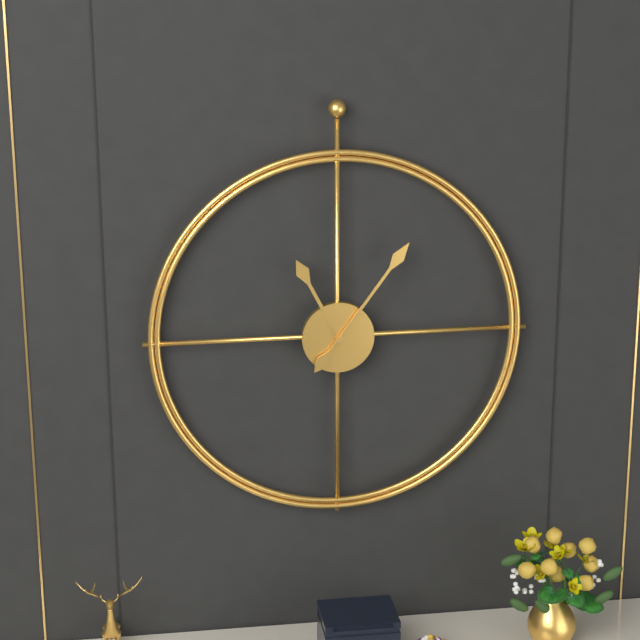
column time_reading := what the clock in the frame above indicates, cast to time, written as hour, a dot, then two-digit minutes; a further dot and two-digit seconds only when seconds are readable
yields 11.06
